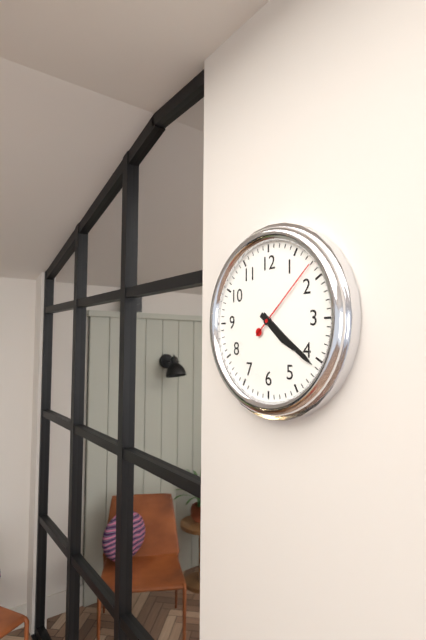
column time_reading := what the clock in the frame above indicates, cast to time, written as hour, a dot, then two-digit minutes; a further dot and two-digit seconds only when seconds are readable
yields 4.21.08
